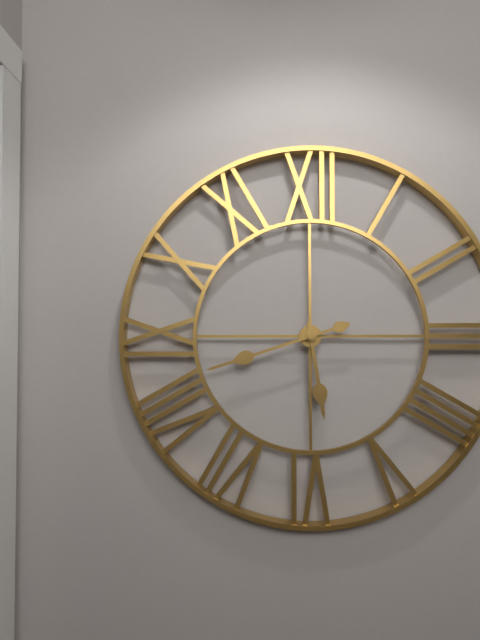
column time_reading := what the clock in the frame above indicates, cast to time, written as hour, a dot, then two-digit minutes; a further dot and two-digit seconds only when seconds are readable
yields 5.42
